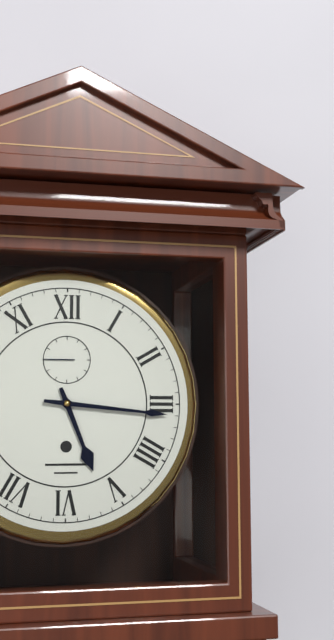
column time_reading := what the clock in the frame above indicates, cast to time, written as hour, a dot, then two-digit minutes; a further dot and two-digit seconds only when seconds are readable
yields 5.16
